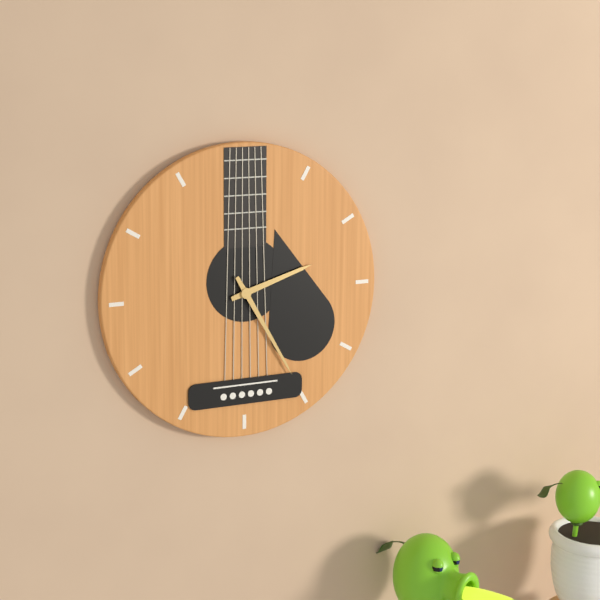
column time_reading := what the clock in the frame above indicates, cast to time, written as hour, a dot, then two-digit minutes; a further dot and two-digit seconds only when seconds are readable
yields 2.25
